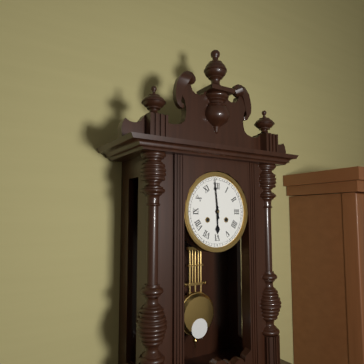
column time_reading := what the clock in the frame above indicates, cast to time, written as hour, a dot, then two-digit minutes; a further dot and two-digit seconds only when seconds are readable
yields 5.59
